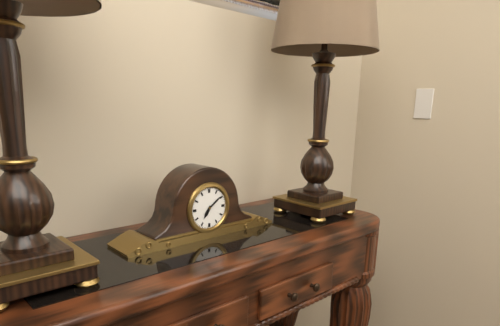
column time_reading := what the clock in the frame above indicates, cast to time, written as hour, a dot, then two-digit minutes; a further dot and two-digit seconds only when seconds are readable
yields 7.09
